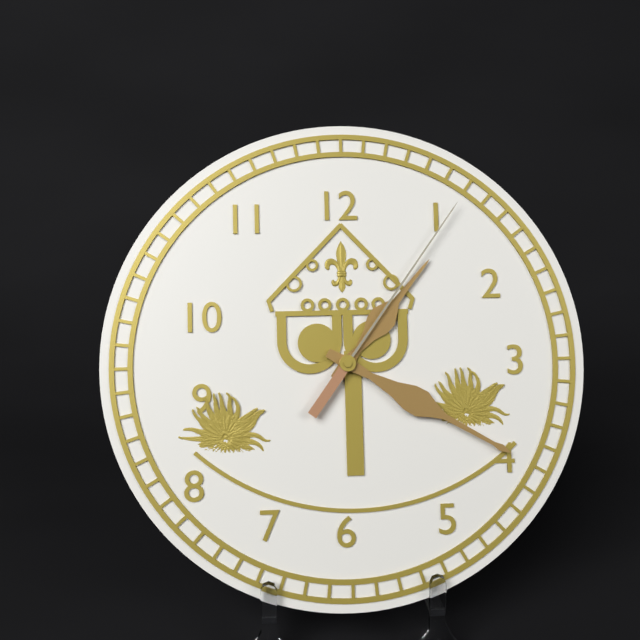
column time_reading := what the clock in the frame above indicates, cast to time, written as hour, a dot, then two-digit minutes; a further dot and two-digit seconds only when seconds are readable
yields 1.20.06
